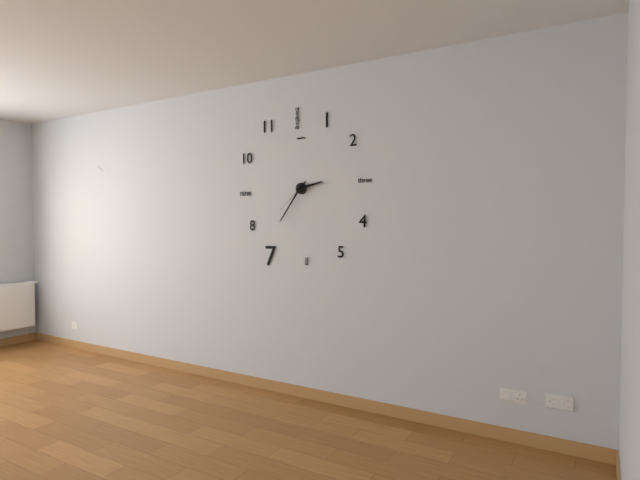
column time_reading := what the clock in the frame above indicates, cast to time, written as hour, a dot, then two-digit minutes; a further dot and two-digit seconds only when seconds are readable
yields 2.36
